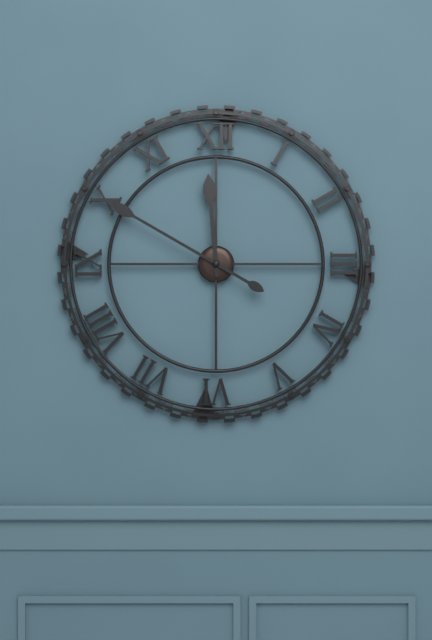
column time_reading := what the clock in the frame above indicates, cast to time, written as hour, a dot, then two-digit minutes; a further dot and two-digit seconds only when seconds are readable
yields 11.50
